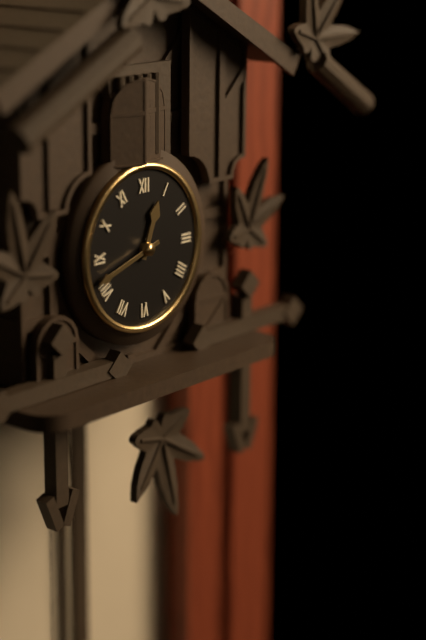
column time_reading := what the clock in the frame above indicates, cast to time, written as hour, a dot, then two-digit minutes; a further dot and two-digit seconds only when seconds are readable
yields 12.42
